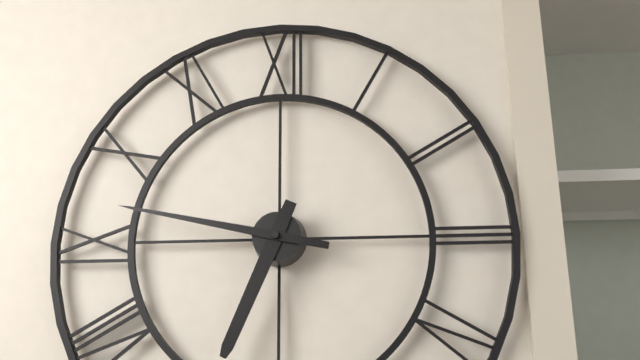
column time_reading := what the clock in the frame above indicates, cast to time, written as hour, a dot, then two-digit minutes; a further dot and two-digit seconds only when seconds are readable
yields 6.47
